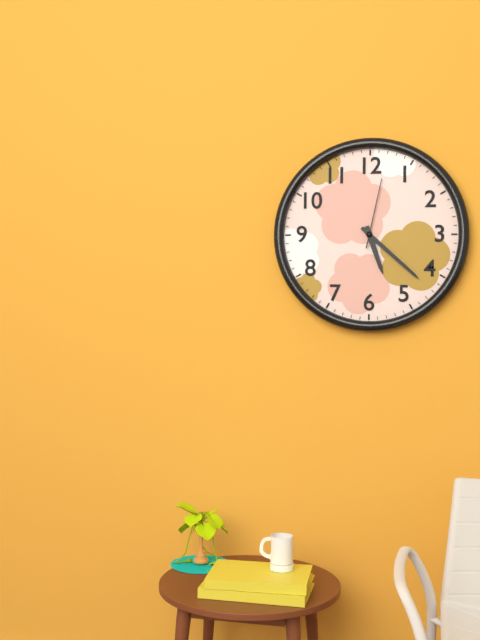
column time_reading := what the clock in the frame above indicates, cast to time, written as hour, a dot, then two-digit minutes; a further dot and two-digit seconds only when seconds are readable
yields 5.22.02
